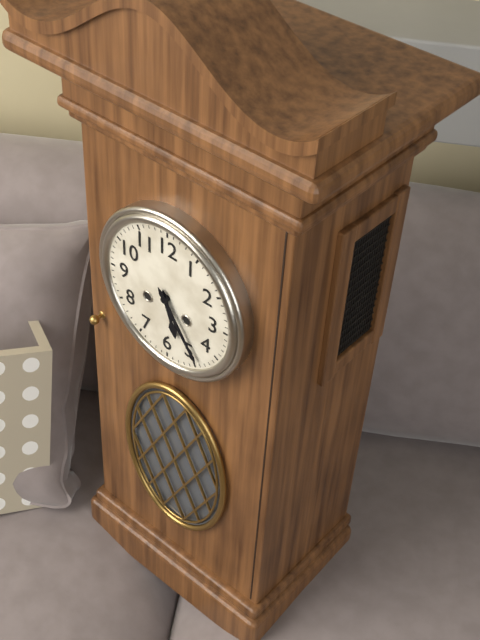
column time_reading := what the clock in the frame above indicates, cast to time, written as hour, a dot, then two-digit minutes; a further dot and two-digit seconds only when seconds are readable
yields 5.24
